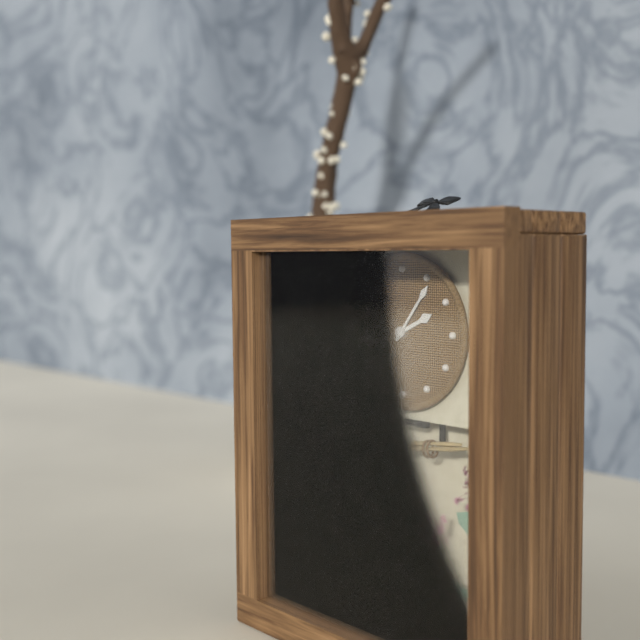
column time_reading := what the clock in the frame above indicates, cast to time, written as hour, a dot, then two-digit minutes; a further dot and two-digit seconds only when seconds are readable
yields 2.06
